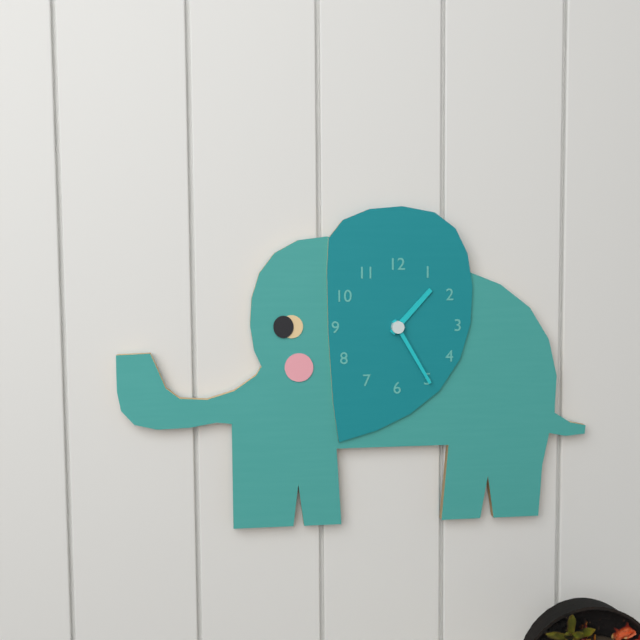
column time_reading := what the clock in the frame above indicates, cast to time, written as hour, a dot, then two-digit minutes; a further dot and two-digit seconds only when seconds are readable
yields 1.25
